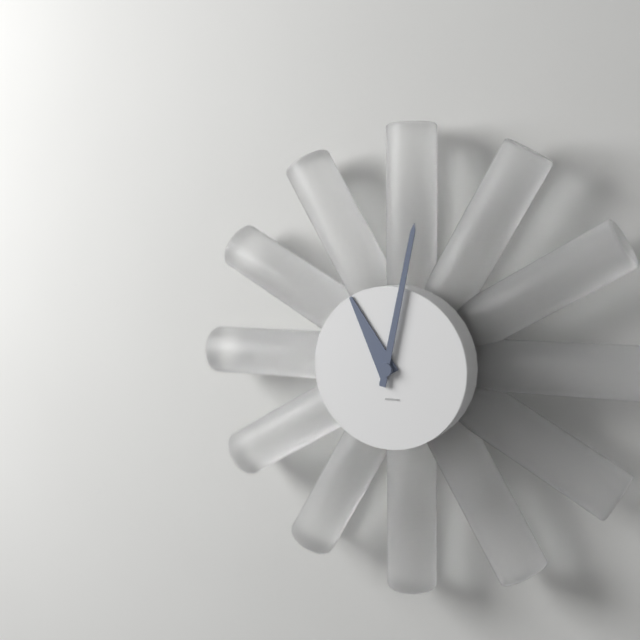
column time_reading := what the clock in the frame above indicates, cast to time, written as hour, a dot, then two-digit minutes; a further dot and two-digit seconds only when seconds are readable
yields 11.02
